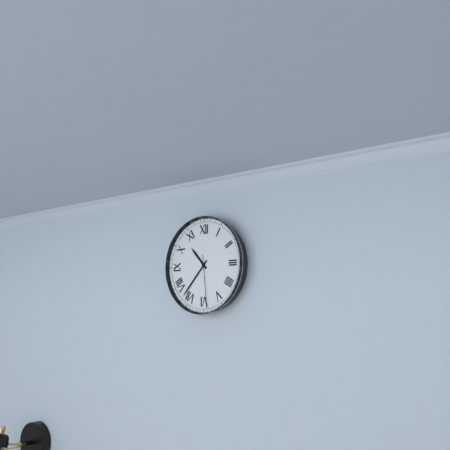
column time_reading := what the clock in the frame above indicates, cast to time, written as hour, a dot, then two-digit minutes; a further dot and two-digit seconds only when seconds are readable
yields 10.37.29
